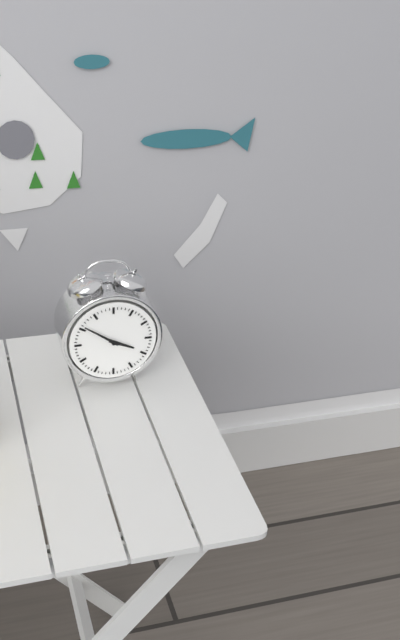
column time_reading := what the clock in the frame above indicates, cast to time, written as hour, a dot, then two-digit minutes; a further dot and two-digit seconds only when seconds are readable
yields 3.51
